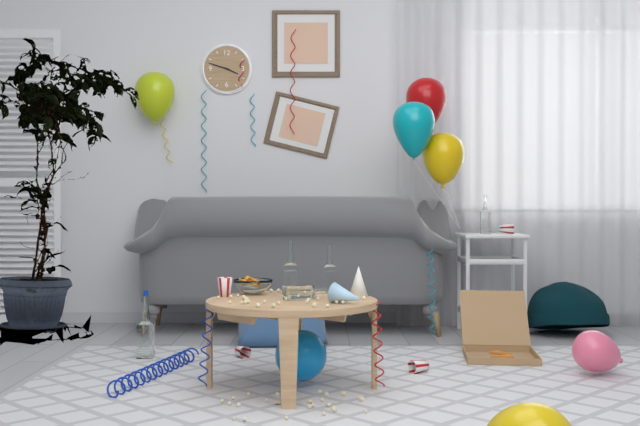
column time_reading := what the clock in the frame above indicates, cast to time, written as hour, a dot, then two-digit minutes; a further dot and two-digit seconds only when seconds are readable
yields 3.48
